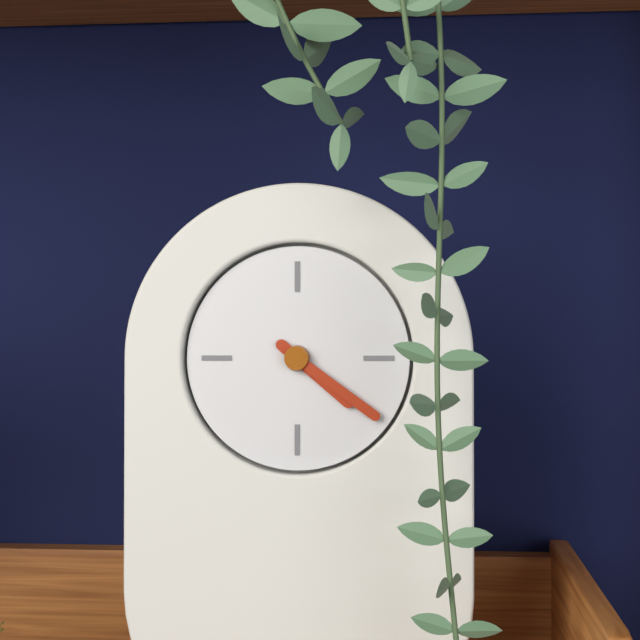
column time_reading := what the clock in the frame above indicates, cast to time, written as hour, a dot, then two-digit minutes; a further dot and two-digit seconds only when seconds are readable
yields 4.21
